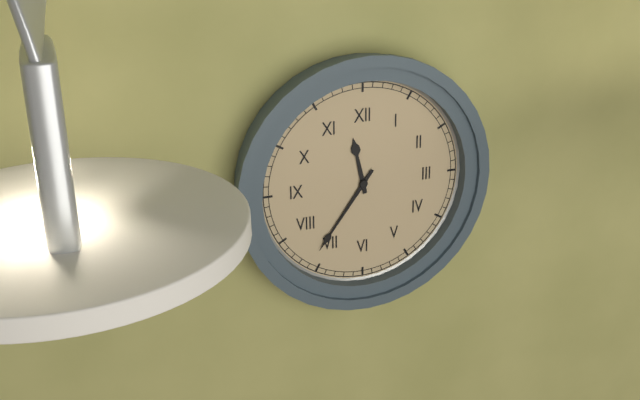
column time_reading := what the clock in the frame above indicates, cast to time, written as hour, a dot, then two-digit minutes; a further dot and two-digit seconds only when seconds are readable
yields 11.36
